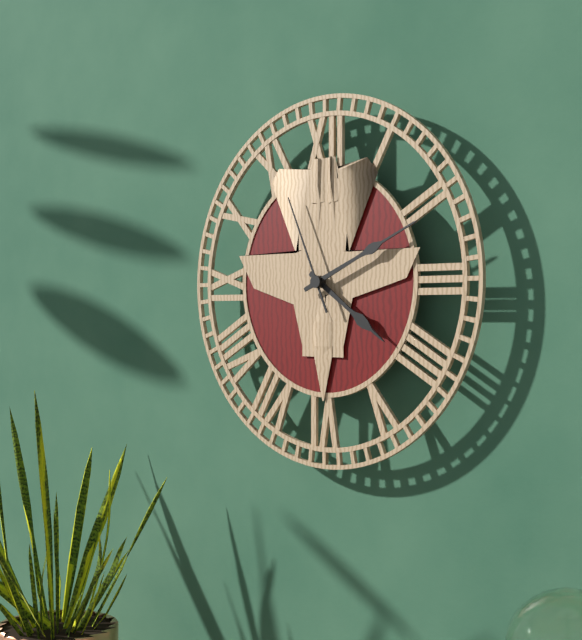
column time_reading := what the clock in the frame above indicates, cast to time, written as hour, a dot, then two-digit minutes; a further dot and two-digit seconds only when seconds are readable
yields 4.11.56
